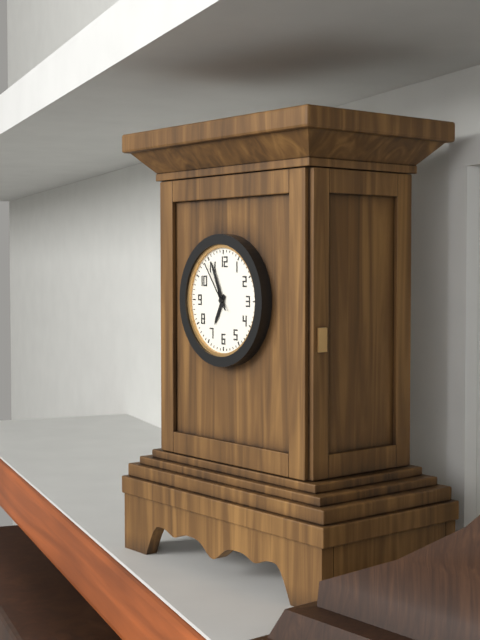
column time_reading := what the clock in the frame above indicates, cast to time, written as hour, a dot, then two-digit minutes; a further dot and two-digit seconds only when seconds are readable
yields 6.56.54
